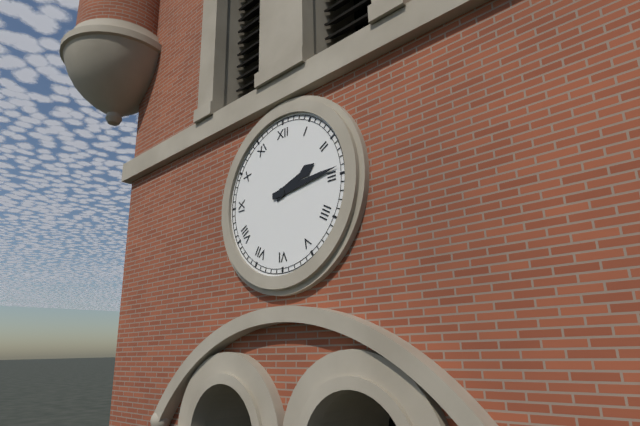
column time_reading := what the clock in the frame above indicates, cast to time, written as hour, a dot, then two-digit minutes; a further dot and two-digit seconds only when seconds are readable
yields 2.14
